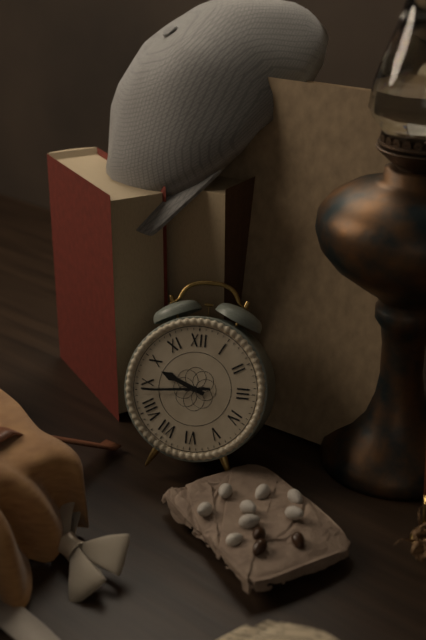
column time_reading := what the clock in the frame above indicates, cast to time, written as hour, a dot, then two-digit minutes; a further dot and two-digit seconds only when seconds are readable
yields 9.44
